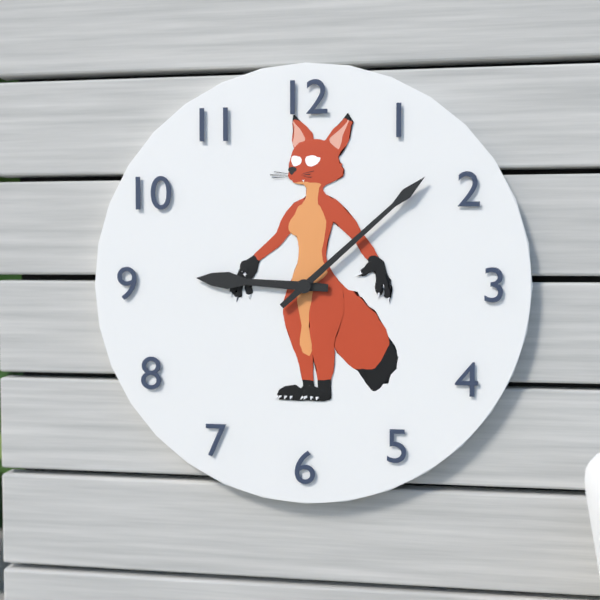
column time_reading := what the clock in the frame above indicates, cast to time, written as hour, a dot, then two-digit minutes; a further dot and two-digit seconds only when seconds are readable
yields 9.08
